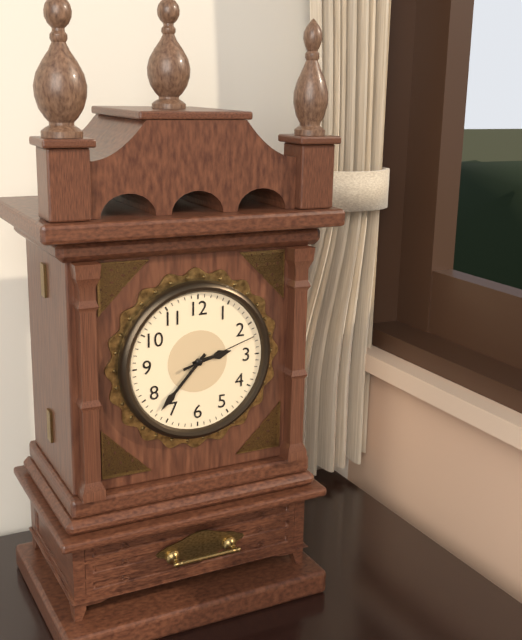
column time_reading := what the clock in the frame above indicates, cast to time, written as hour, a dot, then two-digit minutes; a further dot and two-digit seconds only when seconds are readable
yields 2.37.12
